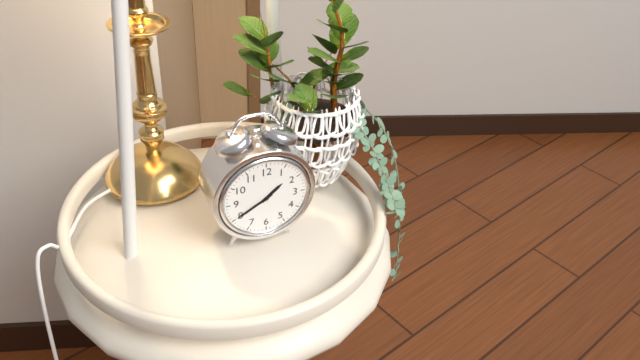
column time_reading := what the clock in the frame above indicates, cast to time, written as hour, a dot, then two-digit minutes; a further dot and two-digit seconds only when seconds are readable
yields 1.40
